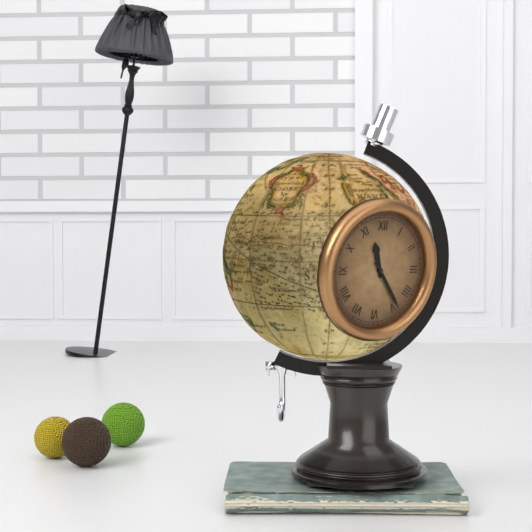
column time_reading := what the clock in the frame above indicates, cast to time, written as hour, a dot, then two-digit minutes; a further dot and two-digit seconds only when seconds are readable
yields 11.24
